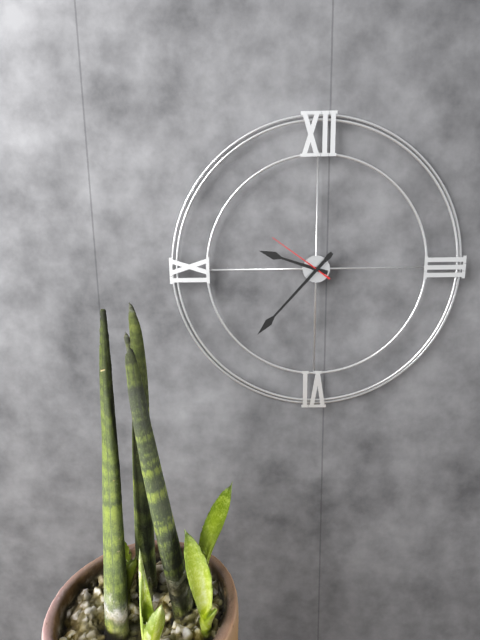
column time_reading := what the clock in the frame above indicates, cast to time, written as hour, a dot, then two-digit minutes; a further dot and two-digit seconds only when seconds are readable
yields 9.37.51
